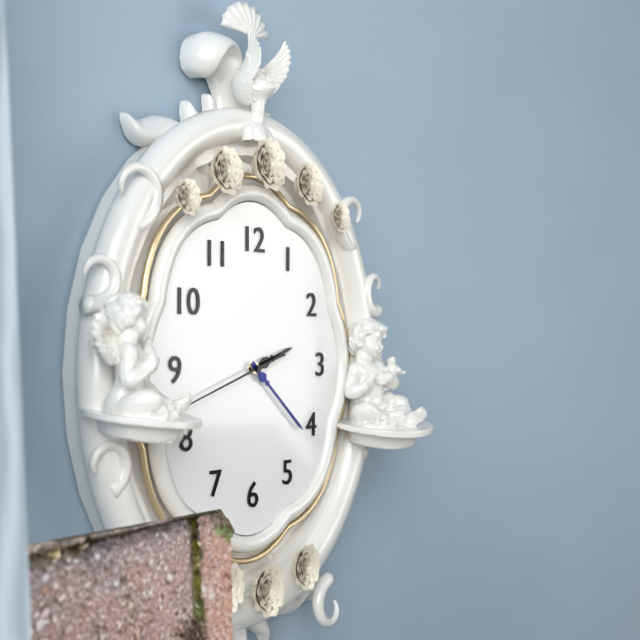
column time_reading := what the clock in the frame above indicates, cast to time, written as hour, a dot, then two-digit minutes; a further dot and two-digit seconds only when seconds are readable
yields 2.22.42
